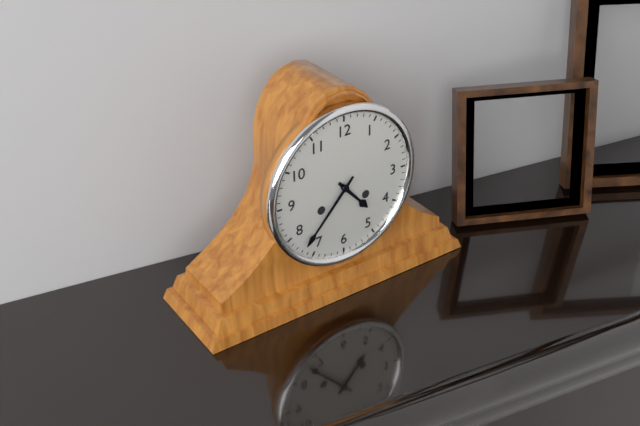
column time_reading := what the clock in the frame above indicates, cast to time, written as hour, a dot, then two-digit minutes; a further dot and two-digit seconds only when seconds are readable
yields 4.37
